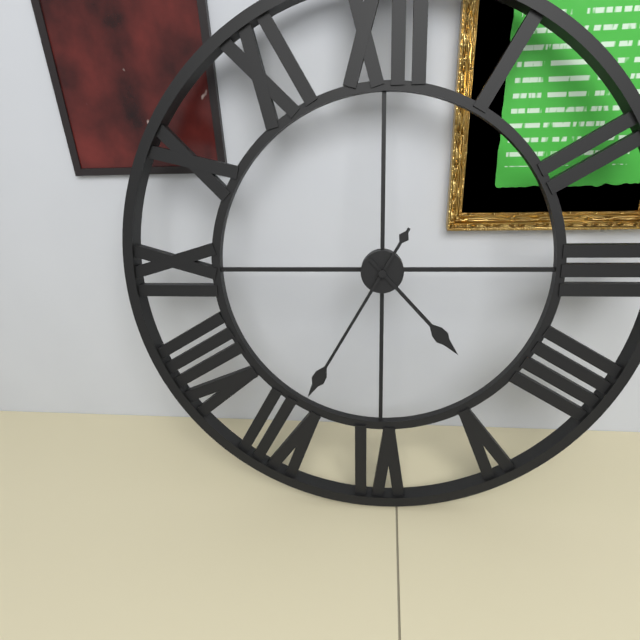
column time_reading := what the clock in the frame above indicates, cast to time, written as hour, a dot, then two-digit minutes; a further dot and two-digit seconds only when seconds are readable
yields 4.35
